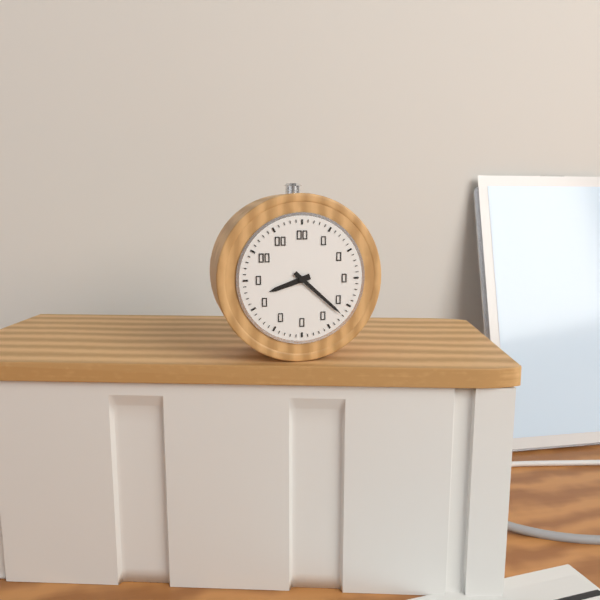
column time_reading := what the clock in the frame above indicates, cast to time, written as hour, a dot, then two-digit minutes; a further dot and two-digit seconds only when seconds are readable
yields 8.22
